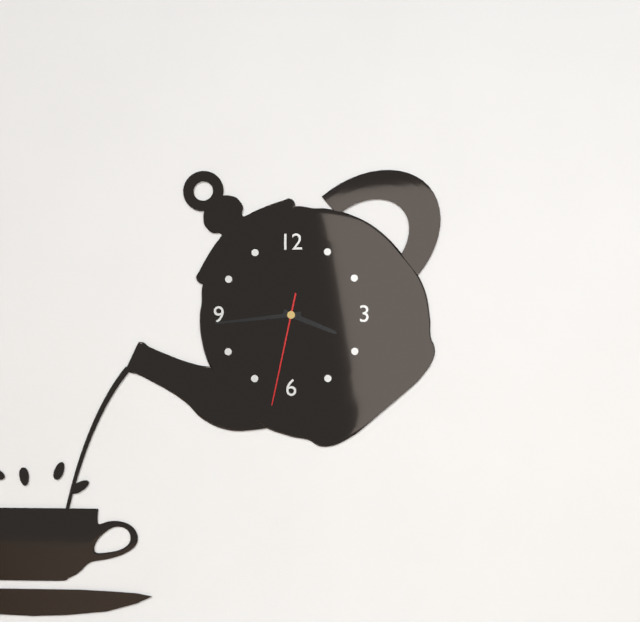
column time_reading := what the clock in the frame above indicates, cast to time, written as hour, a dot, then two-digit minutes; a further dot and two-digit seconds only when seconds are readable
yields 3.44.32
